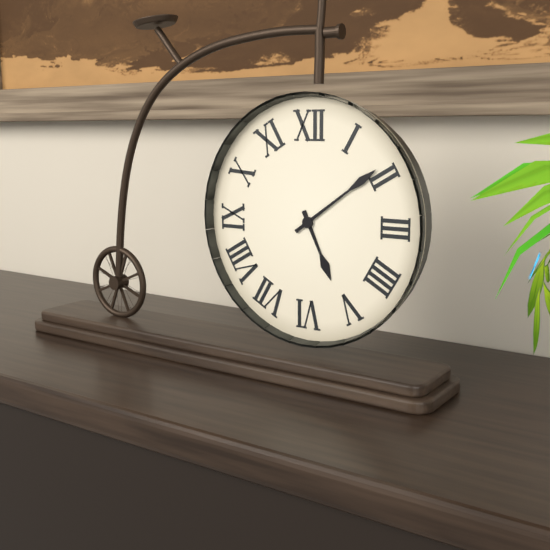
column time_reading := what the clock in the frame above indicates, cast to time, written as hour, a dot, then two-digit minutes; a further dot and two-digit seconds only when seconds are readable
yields 5.09
